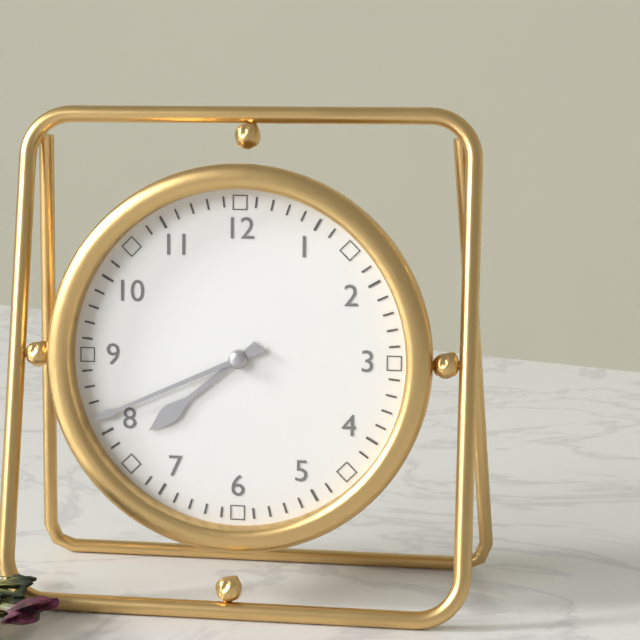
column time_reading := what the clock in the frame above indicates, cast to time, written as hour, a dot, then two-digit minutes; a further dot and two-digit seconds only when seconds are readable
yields 7.41
